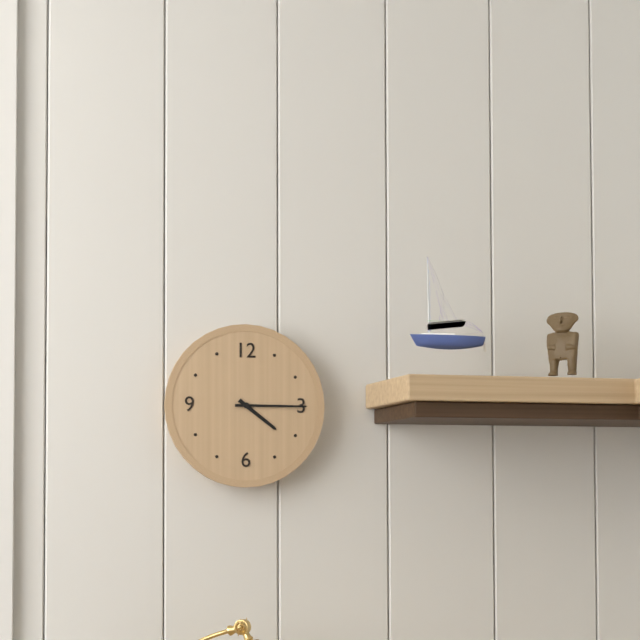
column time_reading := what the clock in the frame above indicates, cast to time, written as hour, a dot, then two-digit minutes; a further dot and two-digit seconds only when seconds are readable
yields 4.15
